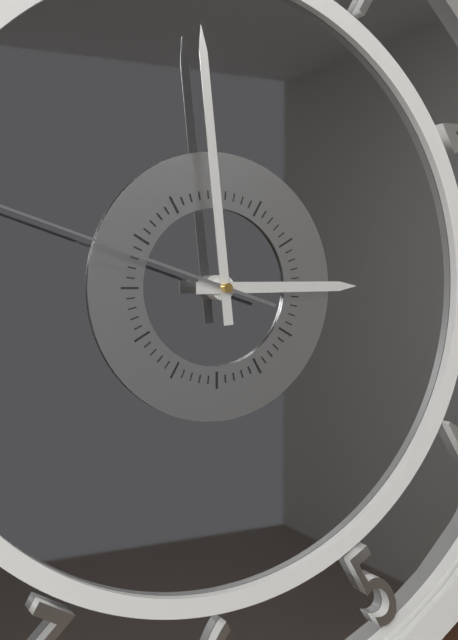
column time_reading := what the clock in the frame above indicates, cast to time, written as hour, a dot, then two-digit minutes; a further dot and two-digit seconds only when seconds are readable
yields 2.59
